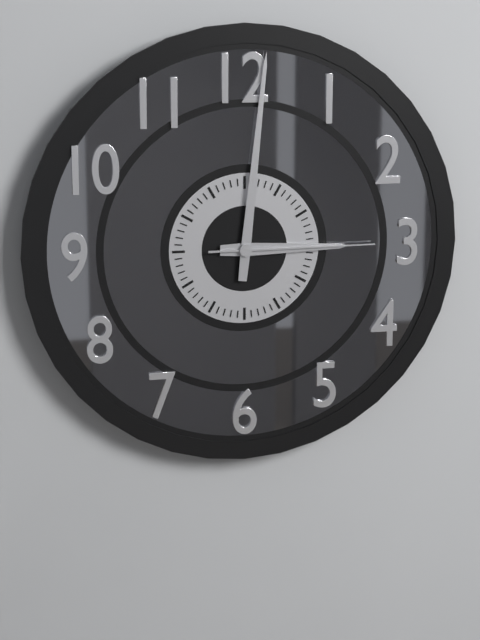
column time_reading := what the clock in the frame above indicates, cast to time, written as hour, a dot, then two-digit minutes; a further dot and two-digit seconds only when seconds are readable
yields 3.01.15
